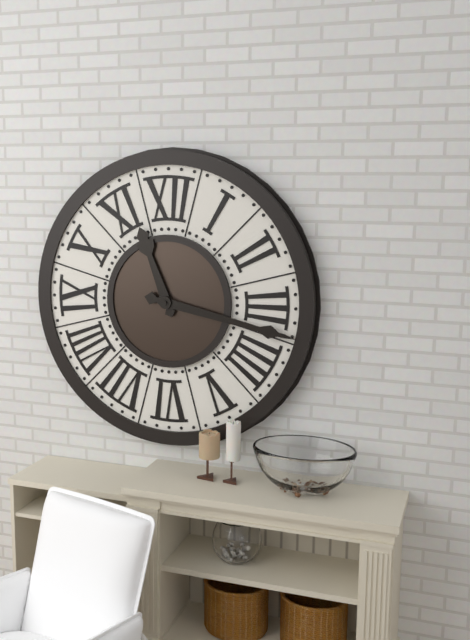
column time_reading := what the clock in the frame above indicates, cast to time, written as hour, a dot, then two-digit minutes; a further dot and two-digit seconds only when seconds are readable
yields 11.17
